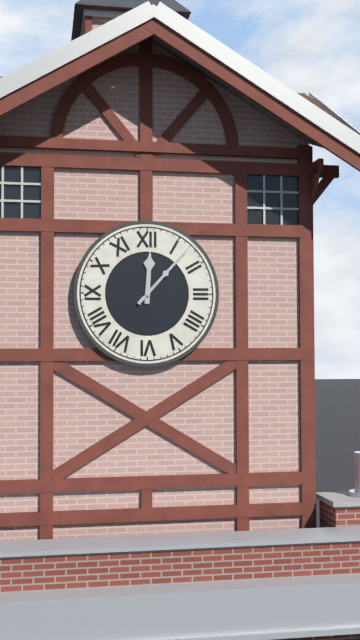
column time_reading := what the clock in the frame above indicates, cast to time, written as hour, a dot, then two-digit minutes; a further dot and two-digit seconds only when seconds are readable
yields 12.07
